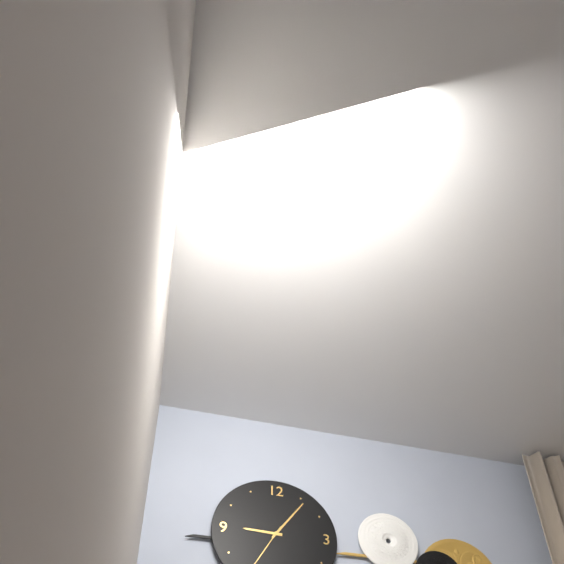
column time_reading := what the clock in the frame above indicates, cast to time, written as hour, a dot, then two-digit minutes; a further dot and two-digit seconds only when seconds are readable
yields 9.06
